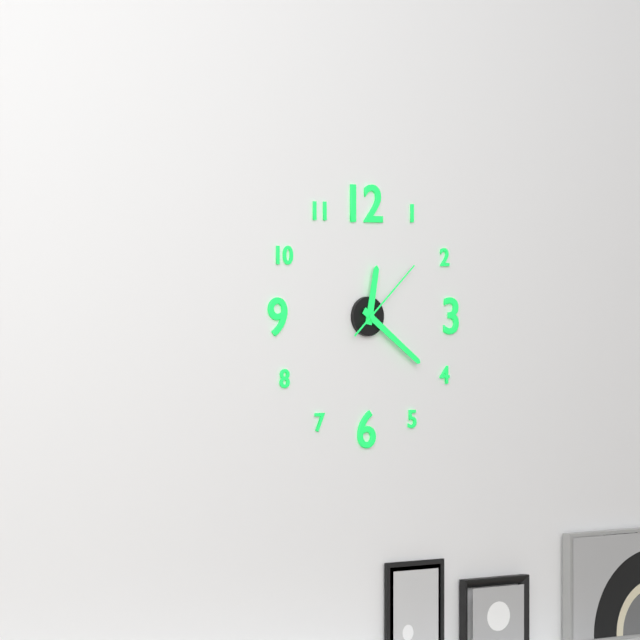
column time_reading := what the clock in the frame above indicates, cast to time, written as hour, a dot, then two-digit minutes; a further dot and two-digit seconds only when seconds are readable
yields 12.21.08
